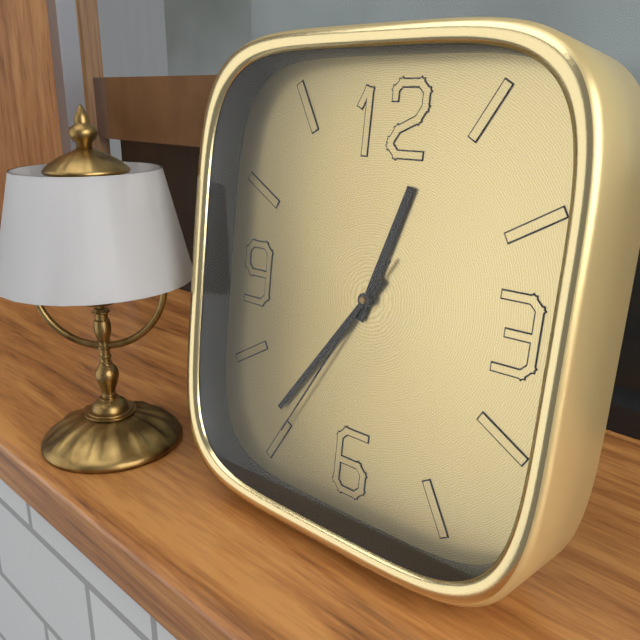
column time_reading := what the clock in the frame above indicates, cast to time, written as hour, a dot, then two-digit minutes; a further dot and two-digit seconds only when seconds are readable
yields 12.36.35
